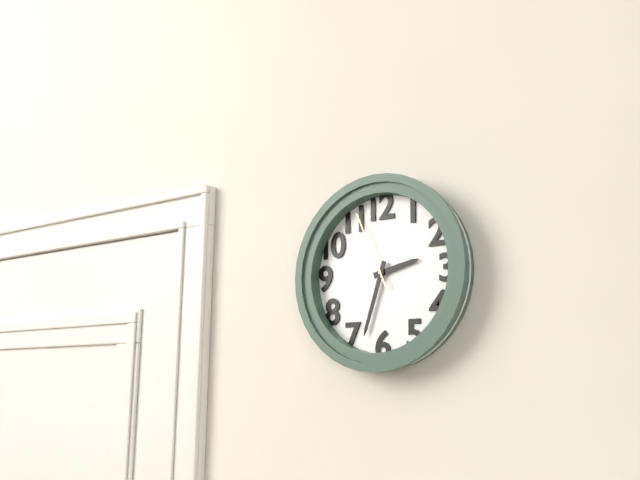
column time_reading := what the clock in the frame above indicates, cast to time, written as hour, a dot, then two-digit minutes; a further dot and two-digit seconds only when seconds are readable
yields 2.33.56
